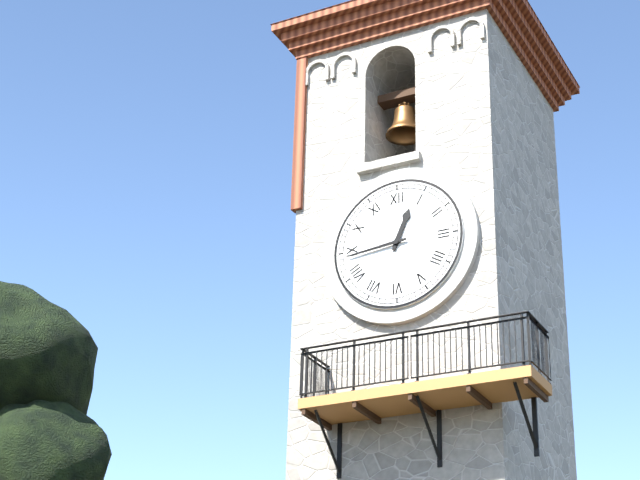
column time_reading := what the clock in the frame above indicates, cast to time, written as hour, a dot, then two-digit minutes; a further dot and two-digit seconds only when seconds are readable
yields 12.44
